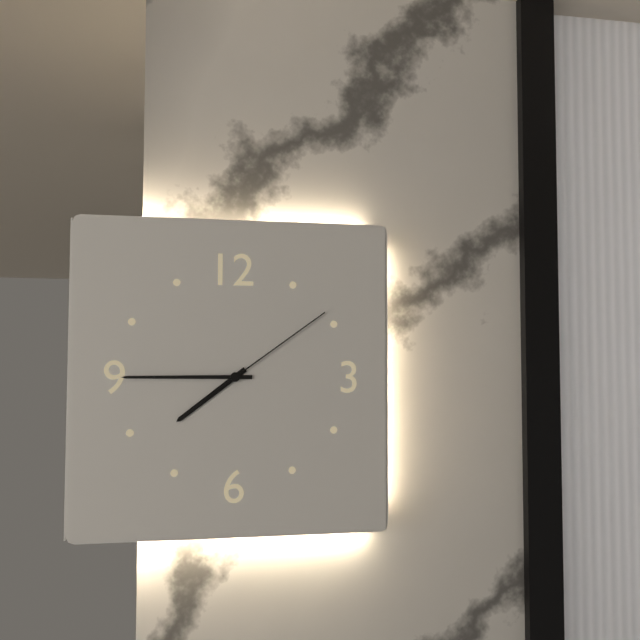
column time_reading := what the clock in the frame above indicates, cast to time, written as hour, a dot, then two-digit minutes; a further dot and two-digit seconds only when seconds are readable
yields 7.45.09
